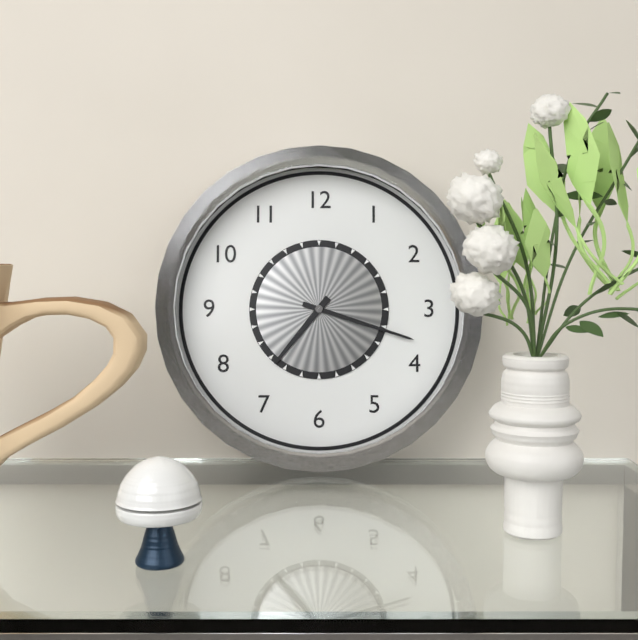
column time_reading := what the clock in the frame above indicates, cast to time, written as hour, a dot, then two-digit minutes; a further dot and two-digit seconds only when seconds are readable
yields 7.18
